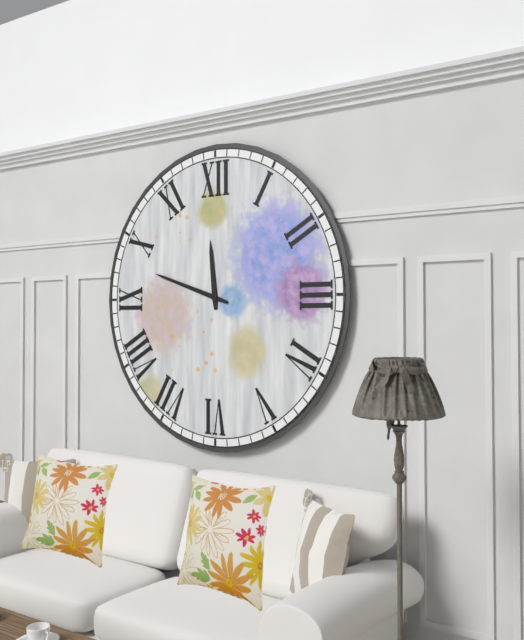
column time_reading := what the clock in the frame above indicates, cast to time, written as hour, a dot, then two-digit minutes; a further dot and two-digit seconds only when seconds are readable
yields 11.48
